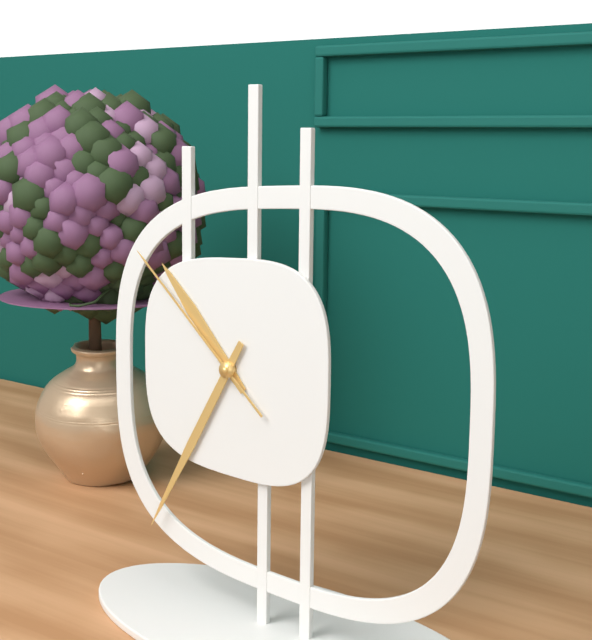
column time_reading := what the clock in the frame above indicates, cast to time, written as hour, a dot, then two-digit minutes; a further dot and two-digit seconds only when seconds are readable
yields 10.35.52
